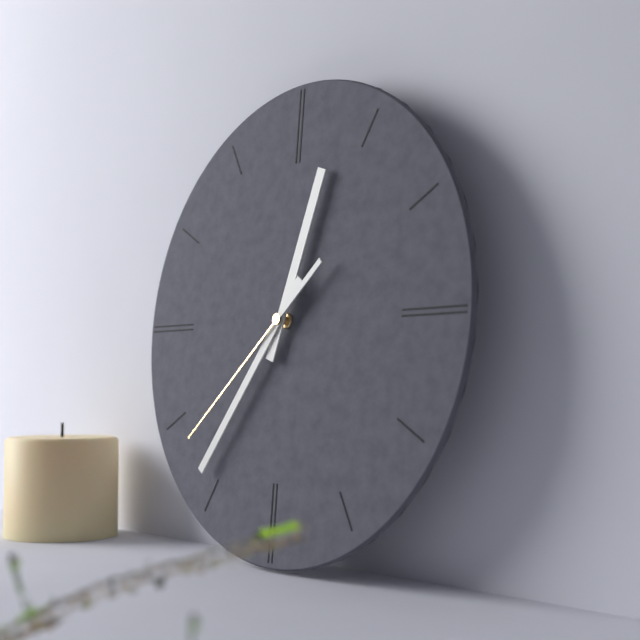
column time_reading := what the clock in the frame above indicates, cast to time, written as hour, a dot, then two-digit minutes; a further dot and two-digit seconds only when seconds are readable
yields 12.36.38
